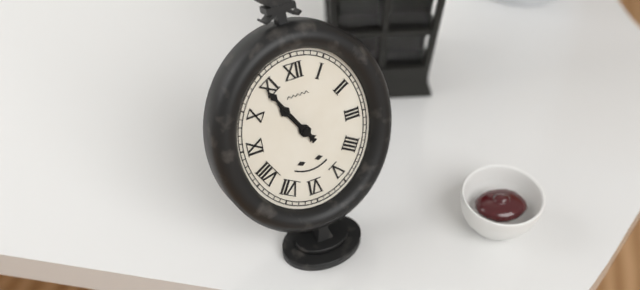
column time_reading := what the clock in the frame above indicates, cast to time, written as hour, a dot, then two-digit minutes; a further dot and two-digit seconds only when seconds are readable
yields 10.55
